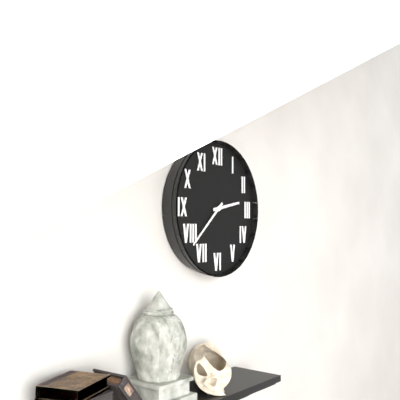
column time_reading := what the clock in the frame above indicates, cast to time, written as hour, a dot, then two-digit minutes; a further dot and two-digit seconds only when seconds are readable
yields 2.38
